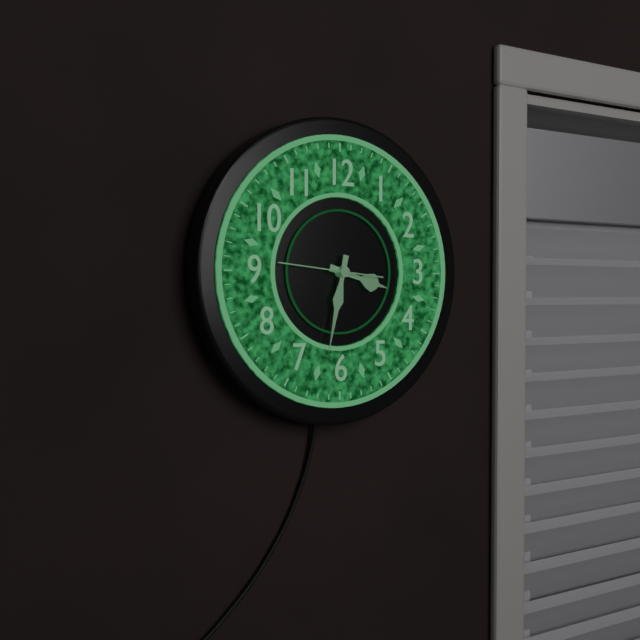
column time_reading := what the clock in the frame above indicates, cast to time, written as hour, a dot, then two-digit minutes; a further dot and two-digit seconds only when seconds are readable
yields 3.32.46
